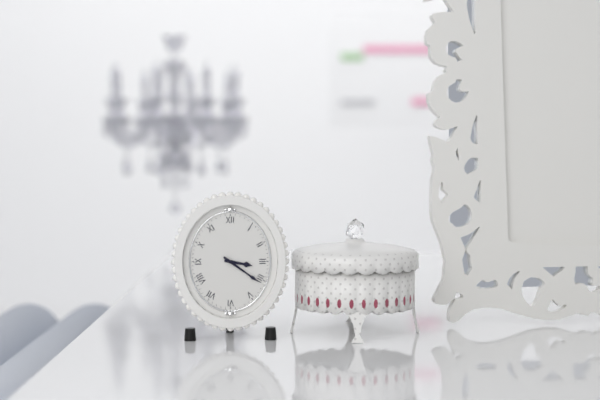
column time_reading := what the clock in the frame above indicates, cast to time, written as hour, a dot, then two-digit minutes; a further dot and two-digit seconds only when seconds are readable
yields 3.21
